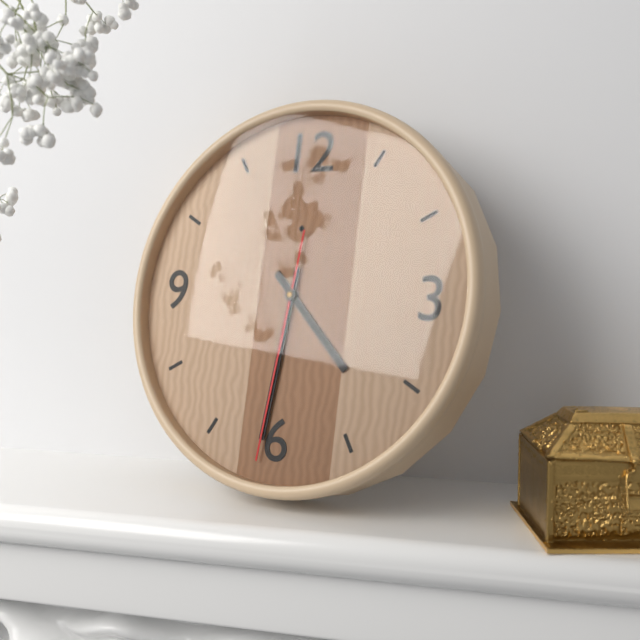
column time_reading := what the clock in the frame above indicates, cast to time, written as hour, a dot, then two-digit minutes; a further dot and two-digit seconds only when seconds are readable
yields 4.31.31
